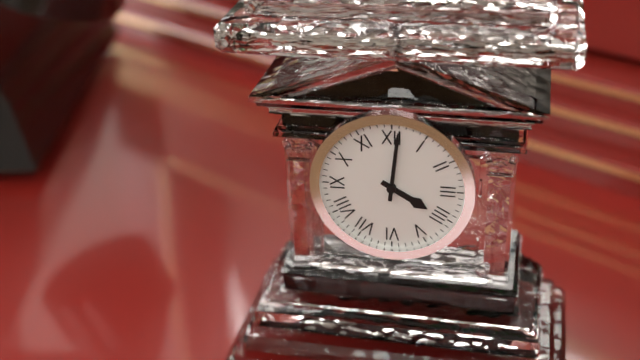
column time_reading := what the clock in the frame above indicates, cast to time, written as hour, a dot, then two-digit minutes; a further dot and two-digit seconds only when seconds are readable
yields 4.01
